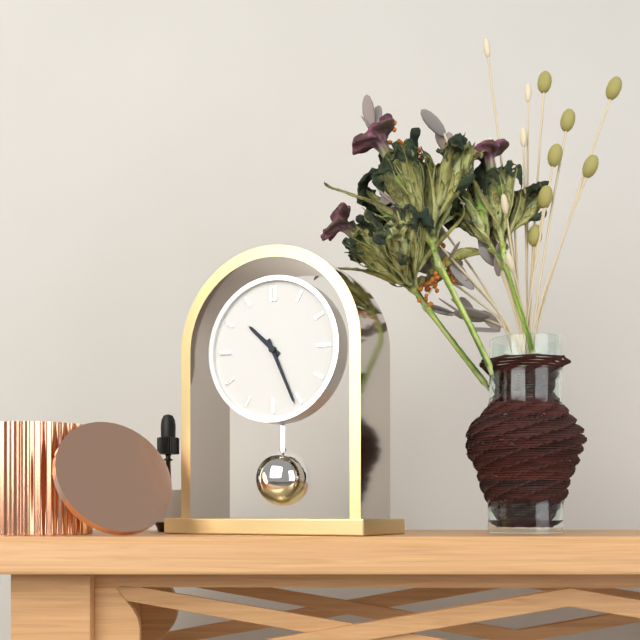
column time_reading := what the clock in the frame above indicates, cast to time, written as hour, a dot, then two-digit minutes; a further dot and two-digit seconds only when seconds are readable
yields 10.26
